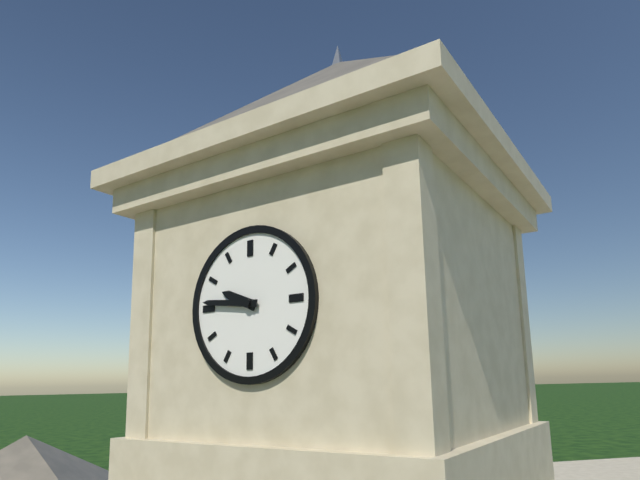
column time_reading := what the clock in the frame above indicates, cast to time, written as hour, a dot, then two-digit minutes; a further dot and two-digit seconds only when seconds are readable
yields 9.46
